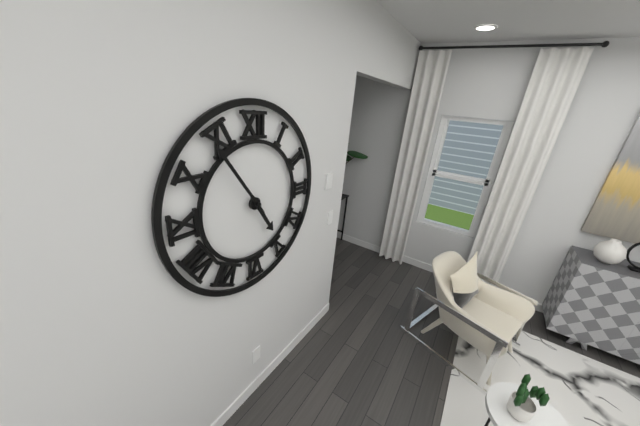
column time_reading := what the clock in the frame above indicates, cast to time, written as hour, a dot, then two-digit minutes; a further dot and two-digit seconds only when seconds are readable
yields 4.54
